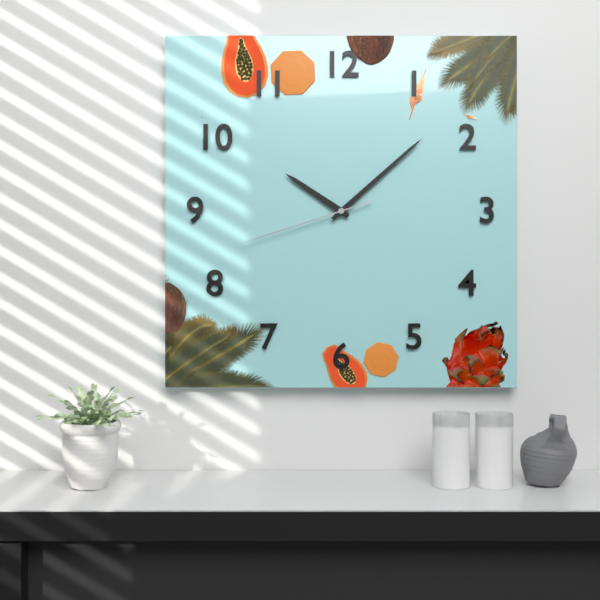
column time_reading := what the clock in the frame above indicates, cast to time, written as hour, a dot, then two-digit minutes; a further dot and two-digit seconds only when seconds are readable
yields 10.08.42
